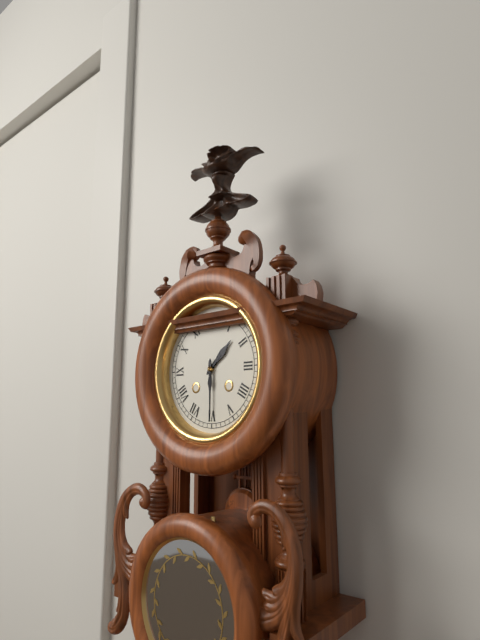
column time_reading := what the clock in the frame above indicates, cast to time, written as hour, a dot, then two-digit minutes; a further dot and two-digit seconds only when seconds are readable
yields 1.30
